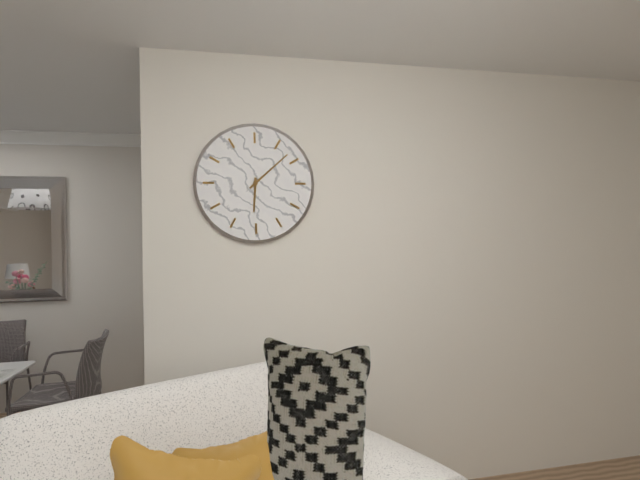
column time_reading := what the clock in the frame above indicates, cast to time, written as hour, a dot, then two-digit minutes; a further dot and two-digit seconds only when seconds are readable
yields 6.08
